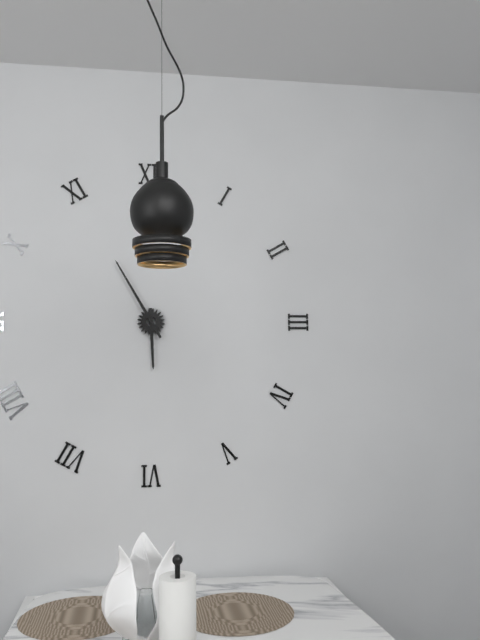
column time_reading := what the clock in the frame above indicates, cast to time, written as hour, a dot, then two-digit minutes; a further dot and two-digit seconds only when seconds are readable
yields 5.55
